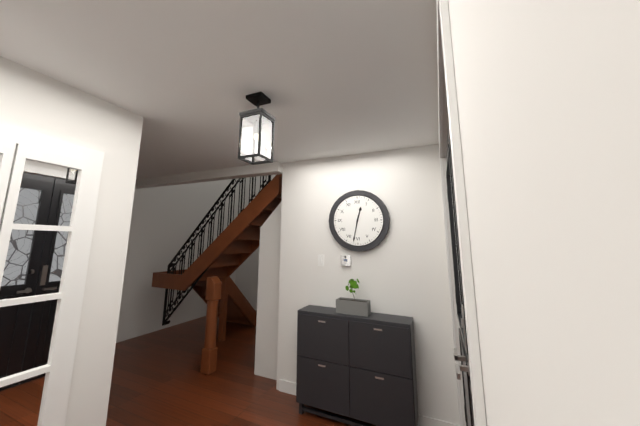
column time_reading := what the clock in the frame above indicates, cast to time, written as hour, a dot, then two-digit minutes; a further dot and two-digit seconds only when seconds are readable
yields 12.32
